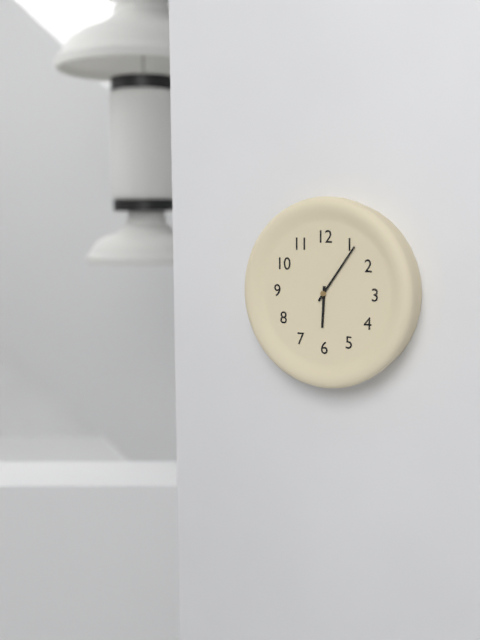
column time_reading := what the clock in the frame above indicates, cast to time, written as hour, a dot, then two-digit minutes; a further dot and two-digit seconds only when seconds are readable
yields 6.06
